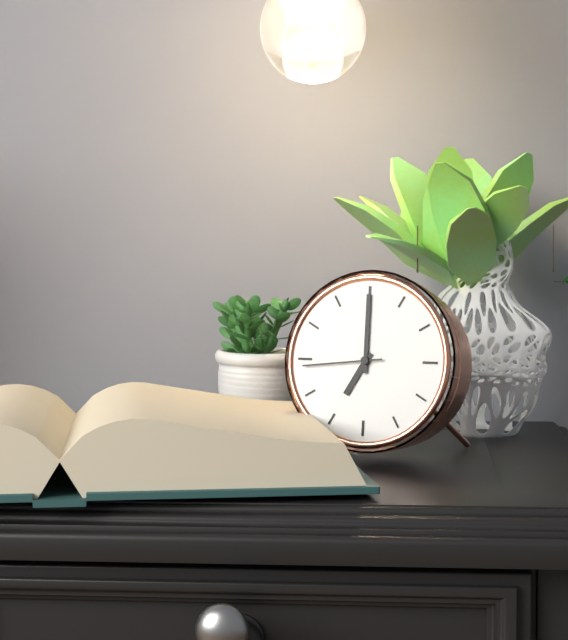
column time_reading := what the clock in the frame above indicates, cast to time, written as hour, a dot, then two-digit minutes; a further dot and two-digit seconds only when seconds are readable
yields 7.00.44
